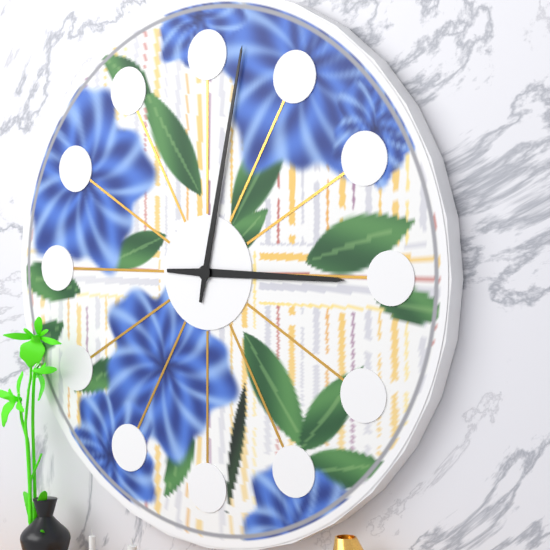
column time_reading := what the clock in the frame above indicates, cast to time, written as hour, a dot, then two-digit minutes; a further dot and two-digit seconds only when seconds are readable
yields 3.02
